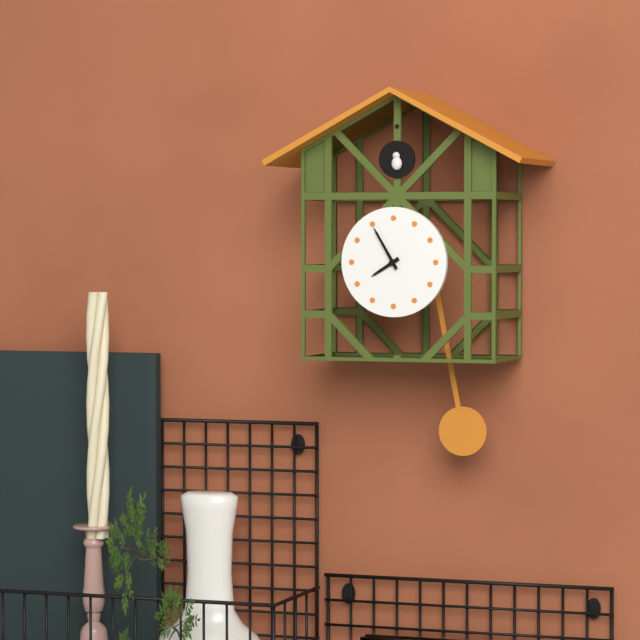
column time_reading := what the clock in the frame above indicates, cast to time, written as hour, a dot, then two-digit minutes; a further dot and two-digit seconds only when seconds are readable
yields 7.55
